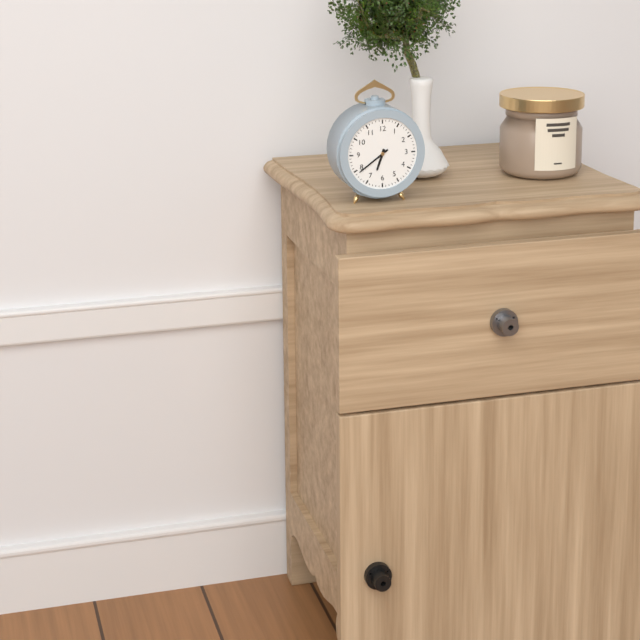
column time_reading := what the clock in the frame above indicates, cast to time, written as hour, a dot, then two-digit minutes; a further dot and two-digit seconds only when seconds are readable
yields 6.39
